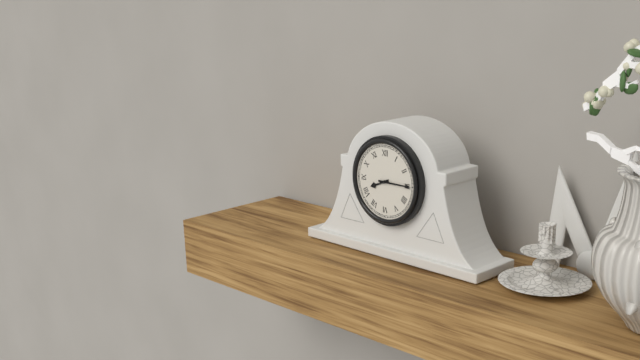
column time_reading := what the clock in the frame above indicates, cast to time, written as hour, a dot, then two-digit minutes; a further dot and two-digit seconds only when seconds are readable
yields 8.15
